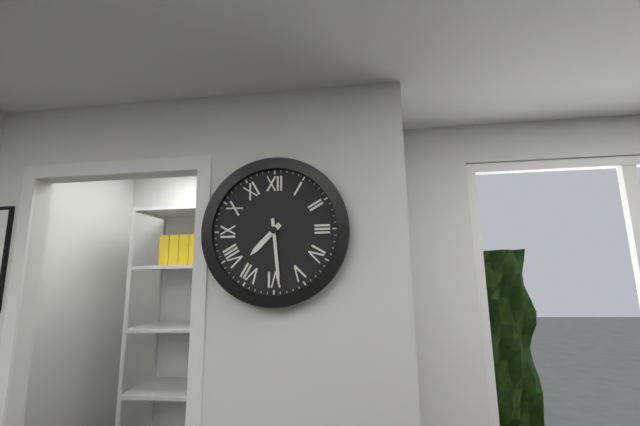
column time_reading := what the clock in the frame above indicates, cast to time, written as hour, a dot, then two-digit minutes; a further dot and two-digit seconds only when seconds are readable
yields 7.29
